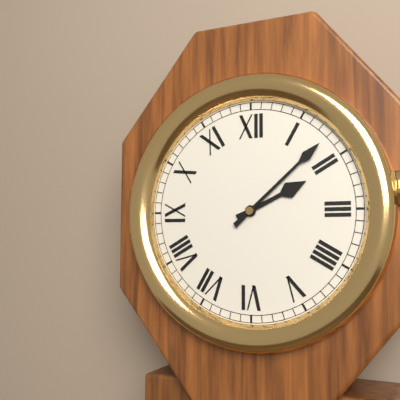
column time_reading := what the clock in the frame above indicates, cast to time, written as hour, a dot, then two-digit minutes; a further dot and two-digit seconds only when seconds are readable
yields 2.08
